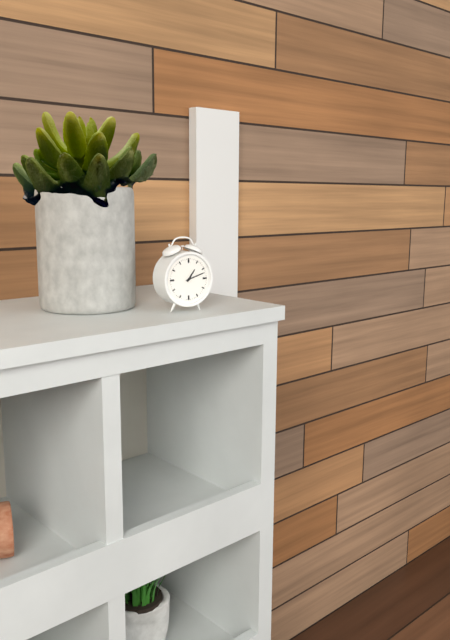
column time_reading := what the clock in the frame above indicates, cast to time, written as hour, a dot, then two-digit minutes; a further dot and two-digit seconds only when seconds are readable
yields 1.12
